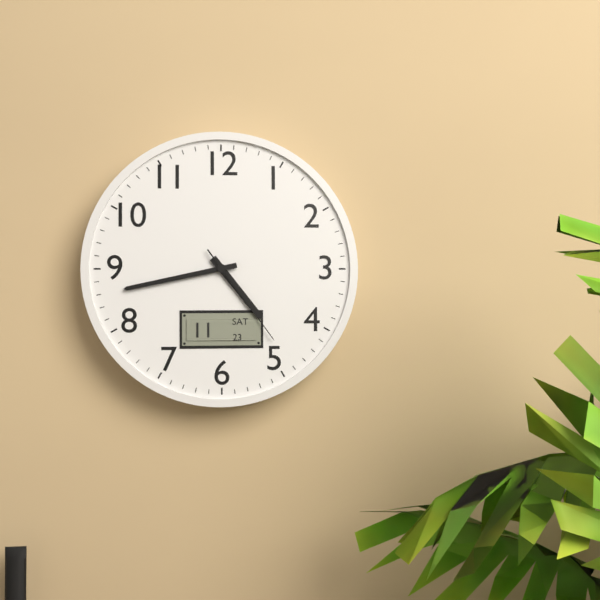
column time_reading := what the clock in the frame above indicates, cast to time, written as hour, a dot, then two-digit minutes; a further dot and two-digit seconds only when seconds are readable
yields 4.43.24
